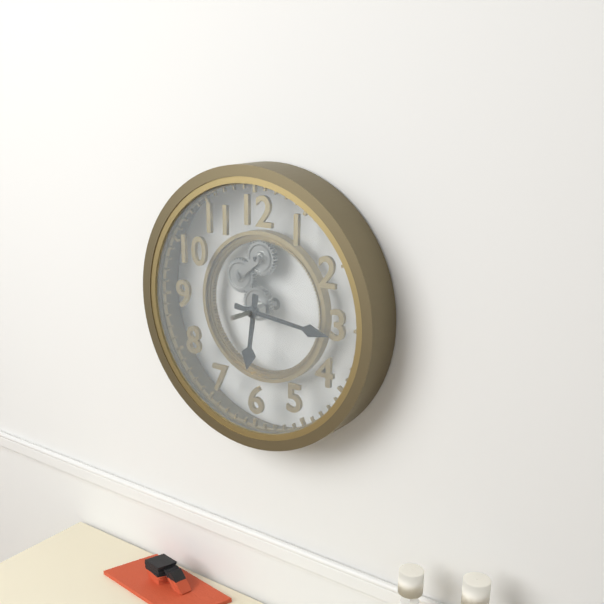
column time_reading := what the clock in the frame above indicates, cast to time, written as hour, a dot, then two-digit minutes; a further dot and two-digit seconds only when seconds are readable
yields 6.16
